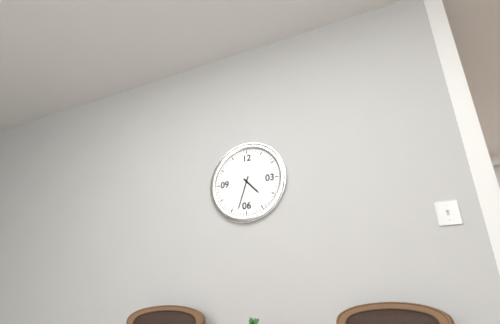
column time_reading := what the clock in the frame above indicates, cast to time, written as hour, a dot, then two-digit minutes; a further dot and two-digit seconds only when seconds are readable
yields 4.33
